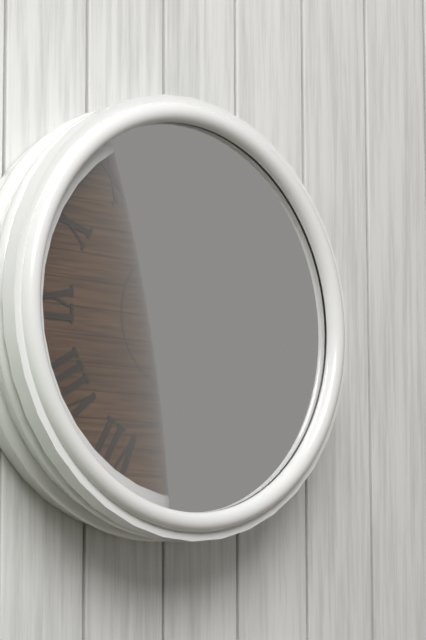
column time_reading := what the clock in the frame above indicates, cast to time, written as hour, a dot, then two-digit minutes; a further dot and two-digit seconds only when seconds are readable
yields 5.29.24
